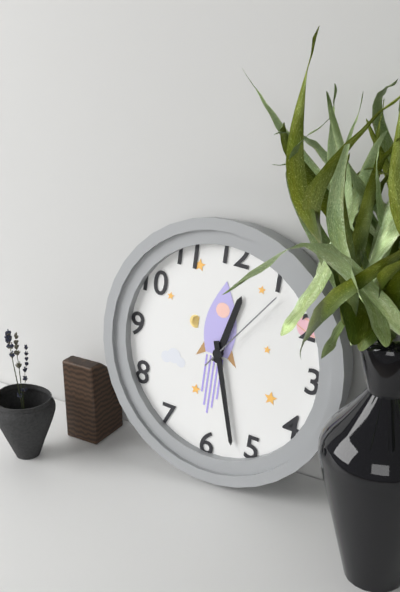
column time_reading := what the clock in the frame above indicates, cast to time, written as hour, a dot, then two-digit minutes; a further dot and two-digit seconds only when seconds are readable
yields 12.27.06
